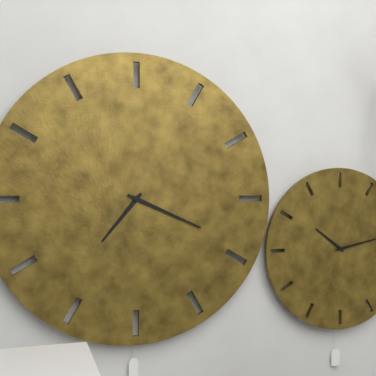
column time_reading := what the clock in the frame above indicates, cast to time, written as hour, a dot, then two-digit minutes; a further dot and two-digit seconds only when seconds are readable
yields 7.19
